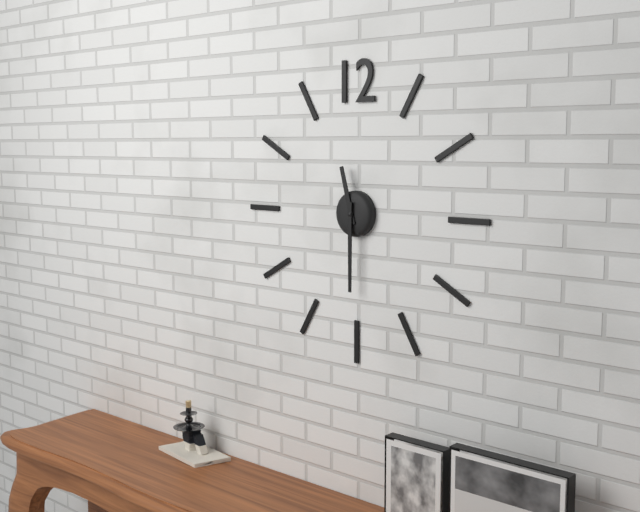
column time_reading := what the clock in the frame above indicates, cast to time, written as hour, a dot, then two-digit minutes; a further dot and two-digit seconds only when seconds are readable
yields 11.30
